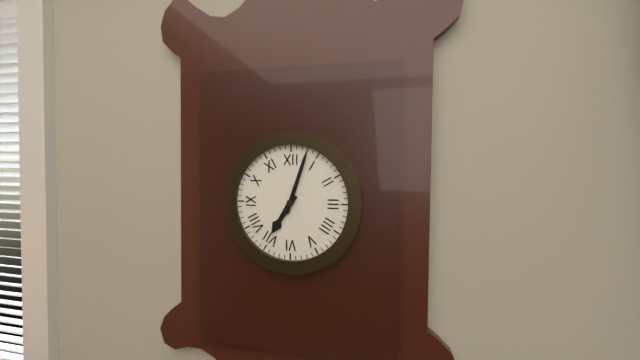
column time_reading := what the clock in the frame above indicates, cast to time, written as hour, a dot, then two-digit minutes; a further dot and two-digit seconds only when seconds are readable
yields 7.03
